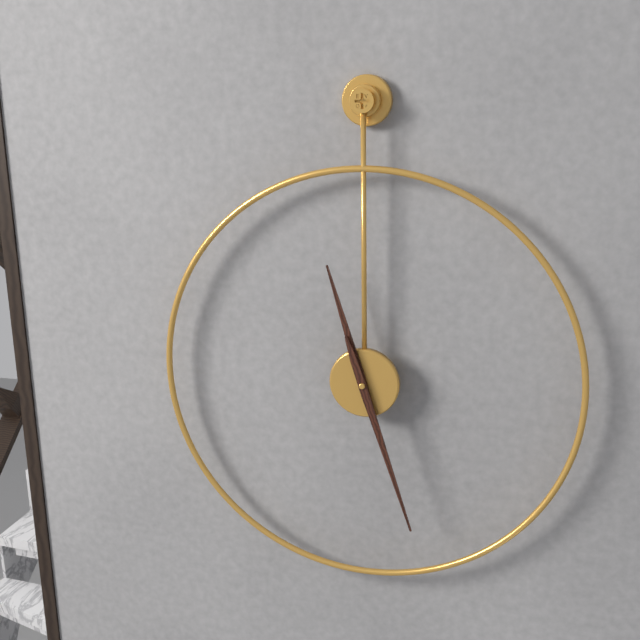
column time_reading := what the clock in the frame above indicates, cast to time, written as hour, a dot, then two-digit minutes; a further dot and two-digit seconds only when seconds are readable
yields 11.27
